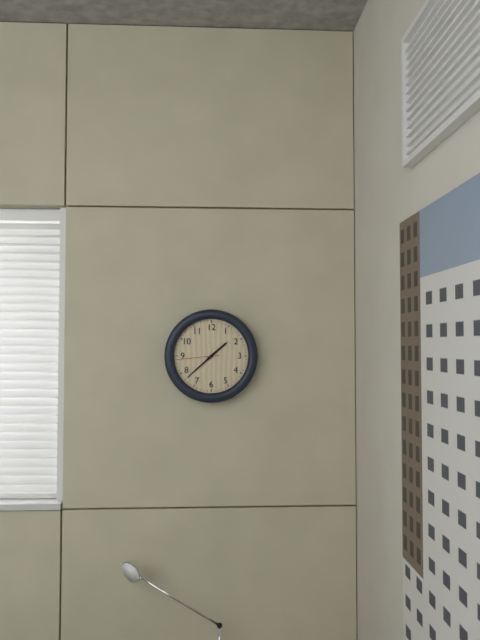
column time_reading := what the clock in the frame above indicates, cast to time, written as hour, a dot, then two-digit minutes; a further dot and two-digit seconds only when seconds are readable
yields 1.38
